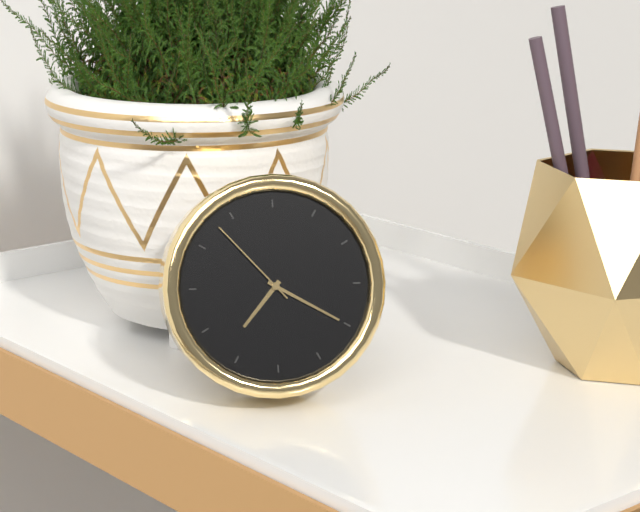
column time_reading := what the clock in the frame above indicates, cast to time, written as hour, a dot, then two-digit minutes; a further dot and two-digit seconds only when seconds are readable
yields 7.20.53
